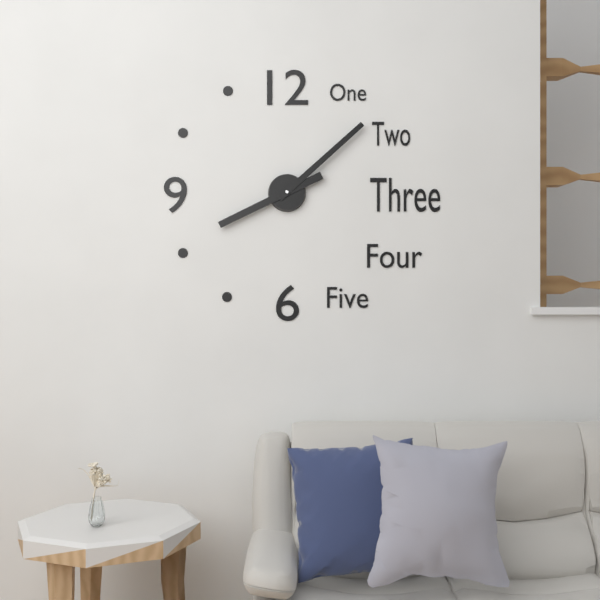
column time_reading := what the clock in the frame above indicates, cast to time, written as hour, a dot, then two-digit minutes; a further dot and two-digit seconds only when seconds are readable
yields 8.08
